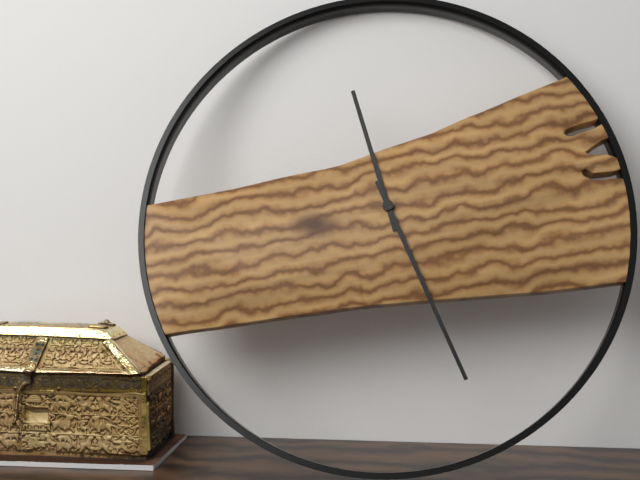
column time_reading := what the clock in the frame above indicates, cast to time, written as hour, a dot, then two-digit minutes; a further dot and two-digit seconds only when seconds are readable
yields 11.26
